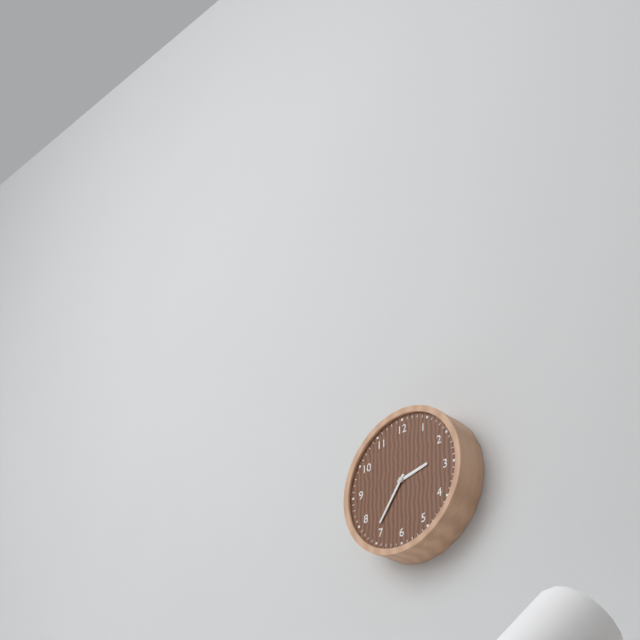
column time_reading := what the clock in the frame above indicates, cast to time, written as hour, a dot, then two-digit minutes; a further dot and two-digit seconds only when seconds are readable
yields 2.36
